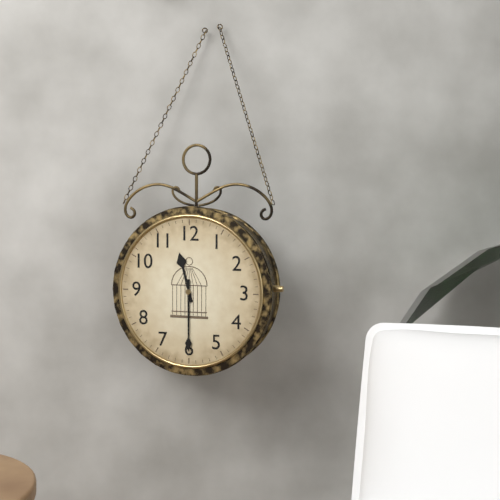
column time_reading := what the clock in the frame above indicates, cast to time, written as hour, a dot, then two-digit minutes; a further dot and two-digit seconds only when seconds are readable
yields 11.30
